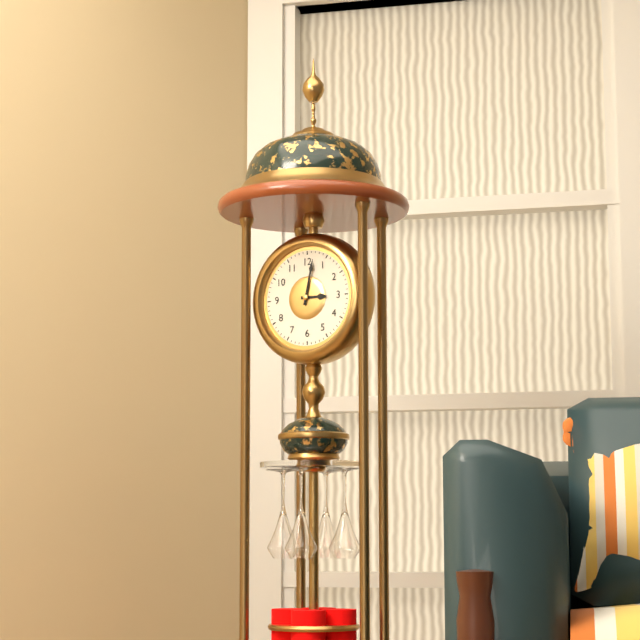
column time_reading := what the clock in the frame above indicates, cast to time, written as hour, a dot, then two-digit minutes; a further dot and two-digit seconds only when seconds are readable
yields 3.02
